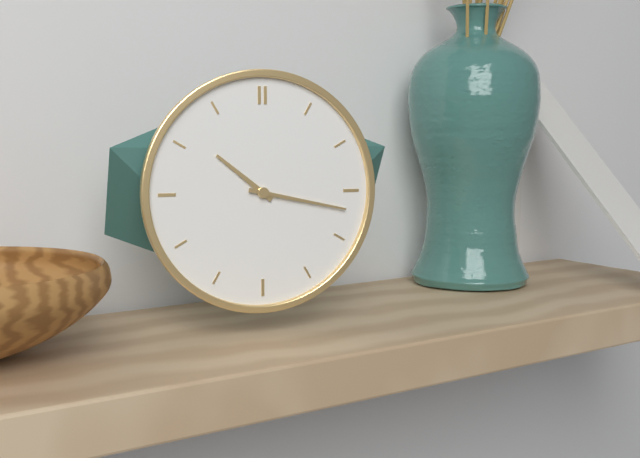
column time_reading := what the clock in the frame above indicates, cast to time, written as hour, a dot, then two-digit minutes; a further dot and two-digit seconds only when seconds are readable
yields 10.17
